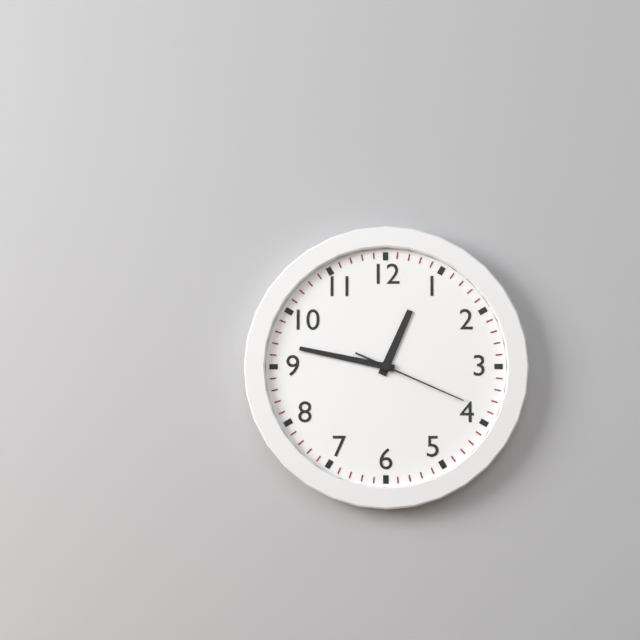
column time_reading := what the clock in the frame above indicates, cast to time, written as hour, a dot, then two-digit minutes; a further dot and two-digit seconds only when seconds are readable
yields 12.47.19
